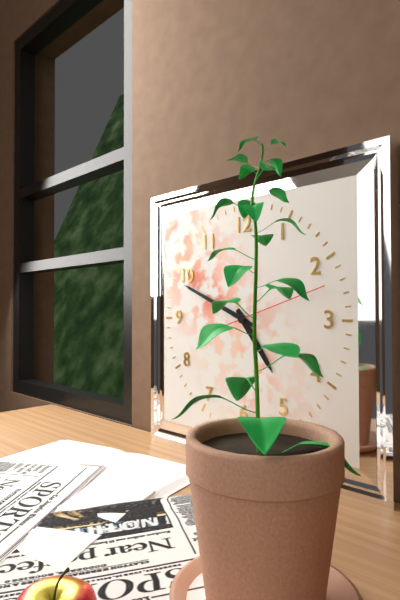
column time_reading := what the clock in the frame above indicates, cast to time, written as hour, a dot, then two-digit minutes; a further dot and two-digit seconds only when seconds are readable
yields 4.49.12
